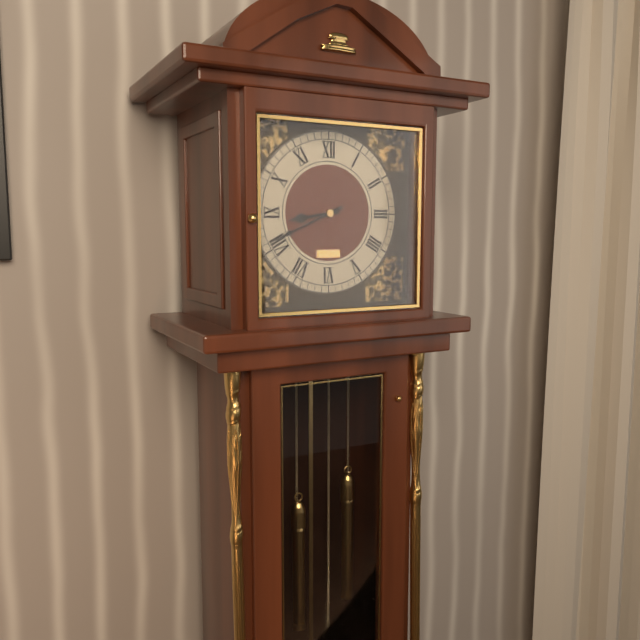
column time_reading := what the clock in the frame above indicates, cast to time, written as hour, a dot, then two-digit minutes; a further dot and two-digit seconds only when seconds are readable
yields 8.41
